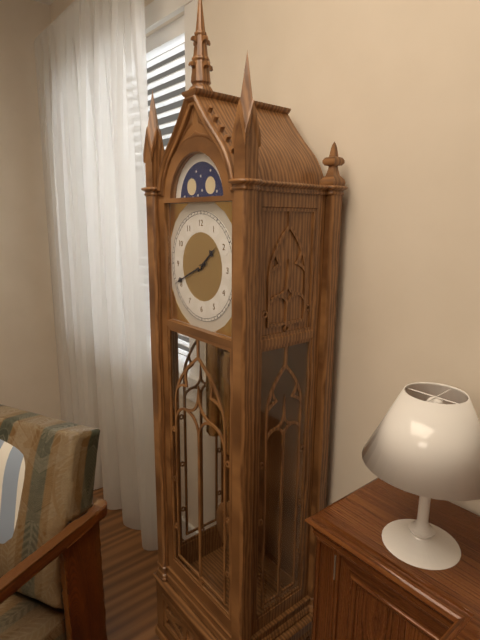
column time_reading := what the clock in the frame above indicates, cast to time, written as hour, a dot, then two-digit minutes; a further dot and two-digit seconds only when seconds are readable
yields 1.41
